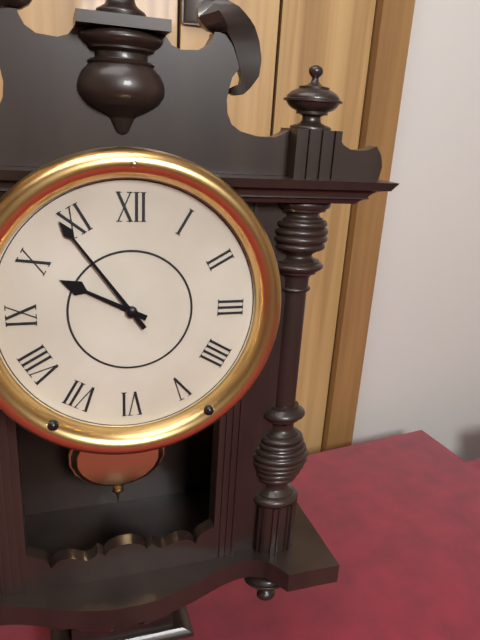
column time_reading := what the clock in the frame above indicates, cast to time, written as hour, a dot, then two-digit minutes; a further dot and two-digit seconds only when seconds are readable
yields 9.54
